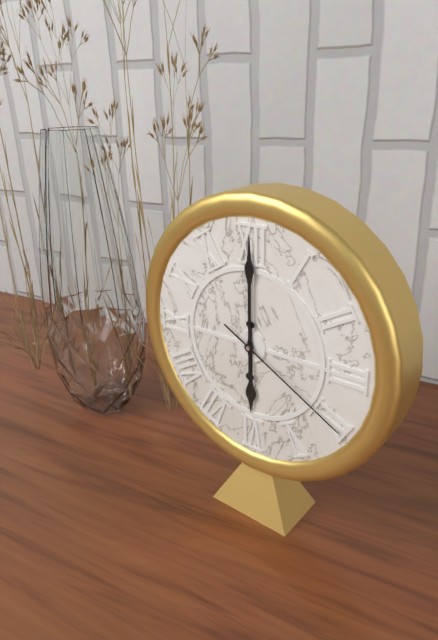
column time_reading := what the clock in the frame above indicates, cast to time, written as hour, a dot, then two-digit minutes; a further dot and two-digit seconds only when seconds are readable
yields 6.00.20
